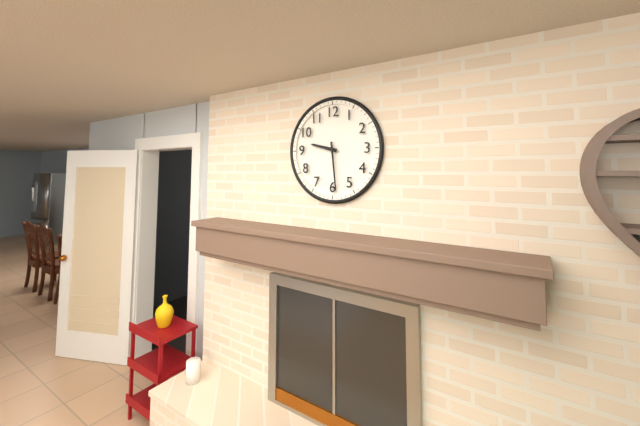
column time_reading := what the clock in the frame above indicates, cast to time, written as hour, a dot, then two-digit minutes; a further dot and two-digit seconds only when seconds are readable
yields 9.29
